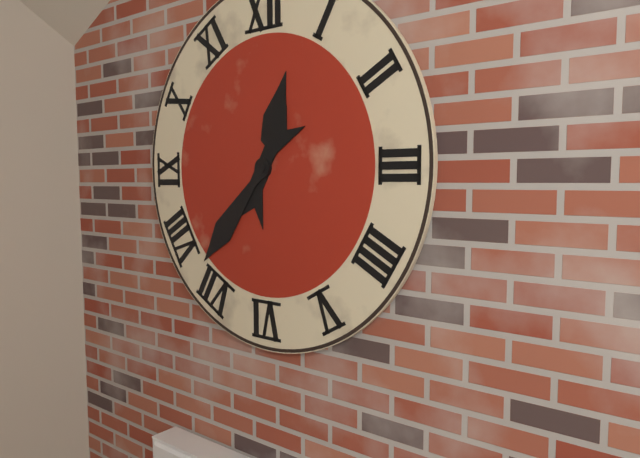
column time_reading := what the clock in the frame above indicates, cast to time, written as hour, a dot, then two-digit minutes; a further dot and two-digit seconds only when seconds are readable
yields 12.37
